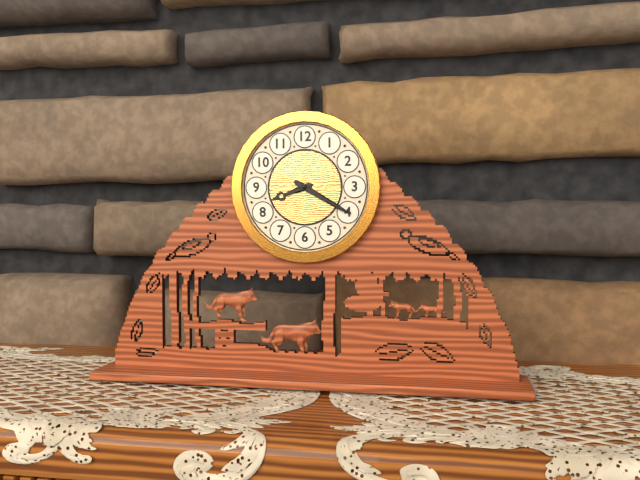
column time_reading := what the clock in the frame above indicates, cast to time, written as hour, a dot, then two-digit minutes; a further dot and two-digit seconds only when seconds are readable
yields 8.20
